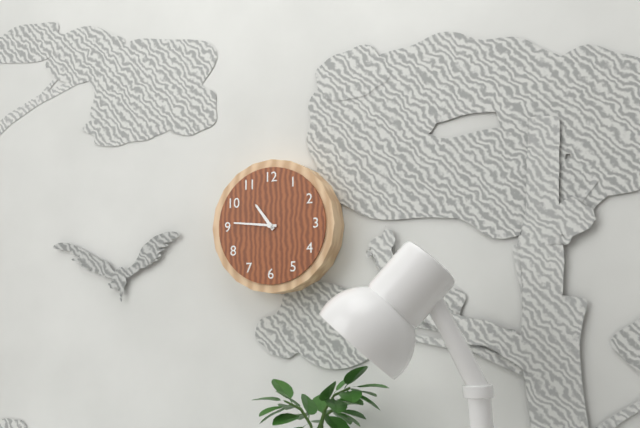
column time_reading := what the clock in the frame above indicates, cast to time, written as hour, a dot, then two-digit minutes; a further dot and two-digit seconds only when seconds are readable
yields 10.46
